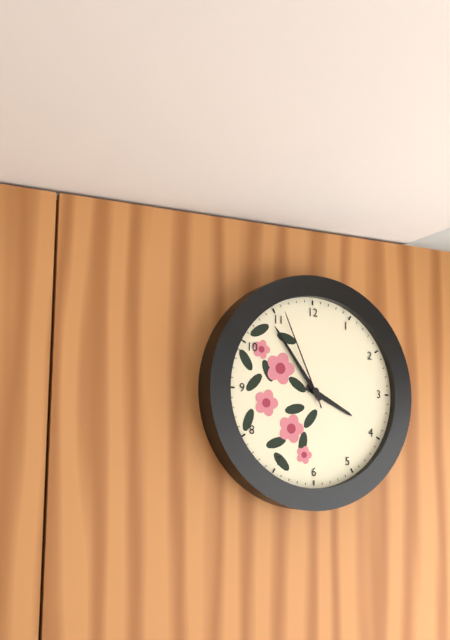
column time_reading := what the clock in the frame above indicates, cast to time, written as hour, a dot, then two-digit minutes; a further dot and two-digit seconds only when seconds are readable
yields 3.54.56
